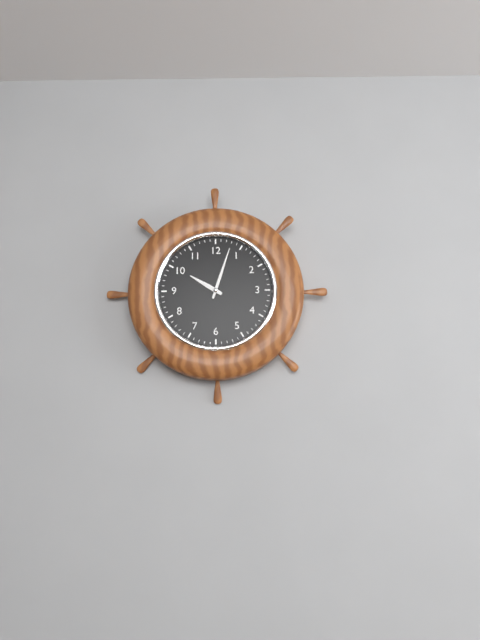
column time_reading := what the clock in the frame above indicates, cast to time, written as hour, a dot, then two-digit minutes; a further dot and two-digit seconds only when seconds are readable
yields 10.03
